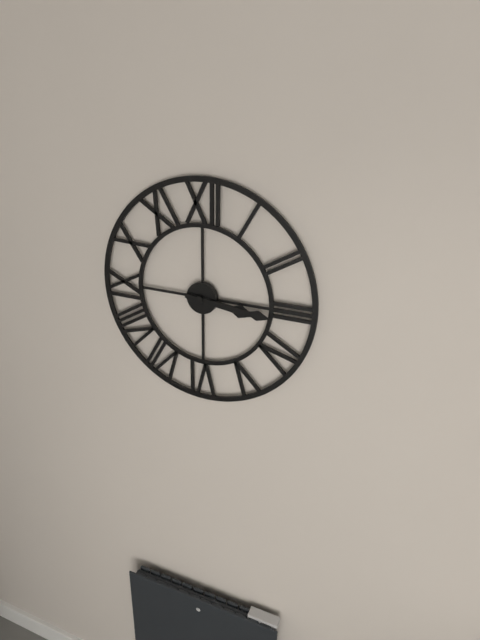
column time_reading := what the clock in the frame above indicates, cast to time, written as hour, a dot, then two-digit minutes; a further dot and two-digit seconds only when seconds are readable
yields 3.16
